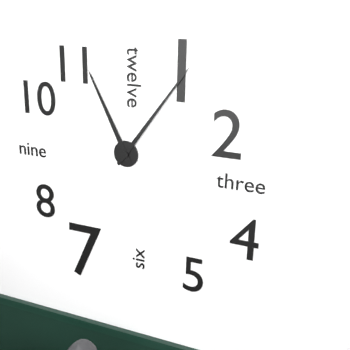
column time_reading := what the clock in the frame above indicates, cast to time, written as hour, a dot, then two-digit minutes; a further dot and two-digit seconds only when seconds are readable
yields 11.06
